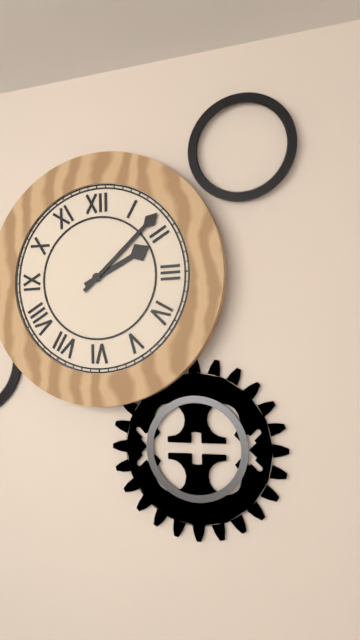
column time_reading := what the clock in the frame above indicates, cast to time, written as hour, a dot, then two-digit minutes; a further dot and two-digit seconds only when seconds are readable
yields 2.08
